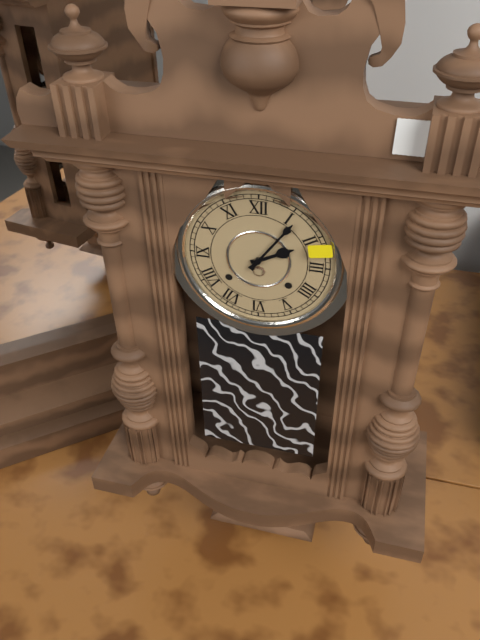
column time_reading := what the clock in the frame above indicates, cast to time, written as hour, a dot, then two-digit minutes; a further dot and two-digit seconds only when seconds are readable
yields 2.06
